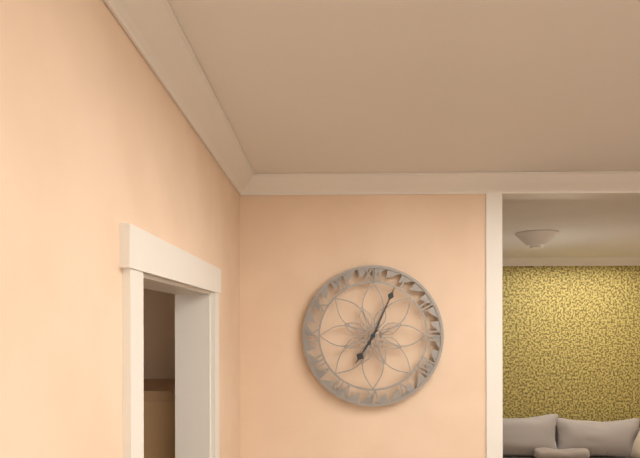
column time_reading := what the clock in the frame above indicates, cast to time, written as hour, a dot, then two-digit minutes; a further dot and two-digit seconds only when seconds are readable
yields 7.04
